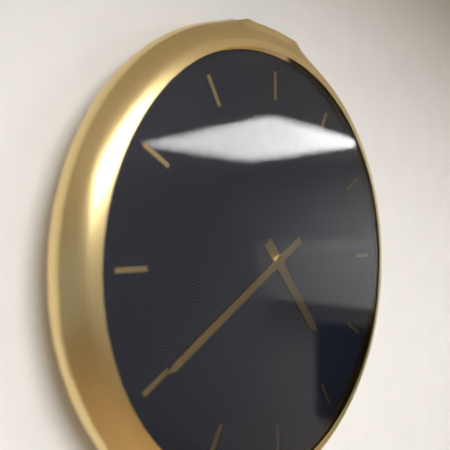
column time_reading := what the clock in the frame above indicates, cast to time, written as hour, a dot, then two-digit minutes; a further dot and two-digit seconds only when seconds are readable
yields 4.40
